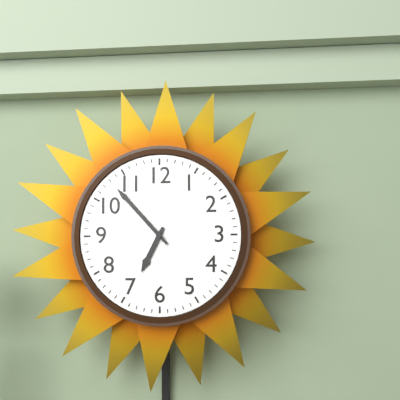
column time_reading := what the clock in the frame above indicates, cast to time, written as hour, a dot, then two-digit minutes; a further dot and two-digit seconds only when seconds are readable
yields 6.53
